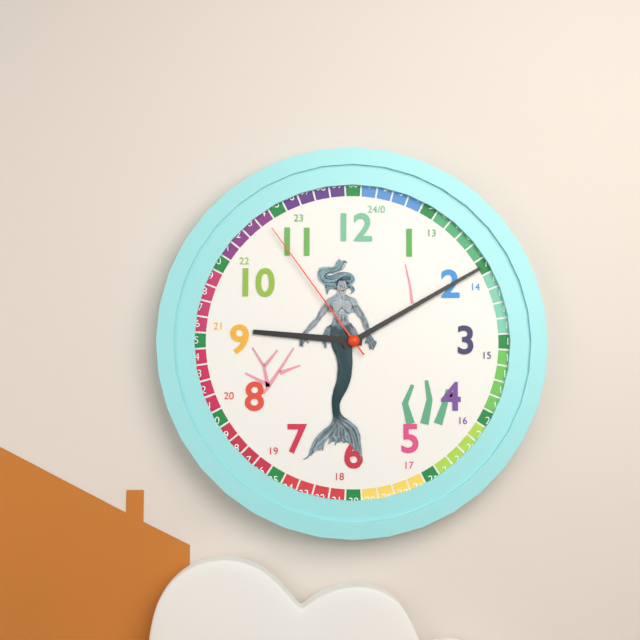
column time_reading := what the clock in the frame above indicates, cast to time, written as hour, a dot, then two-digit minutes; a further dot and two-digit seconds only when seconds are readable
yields 9.10.54
